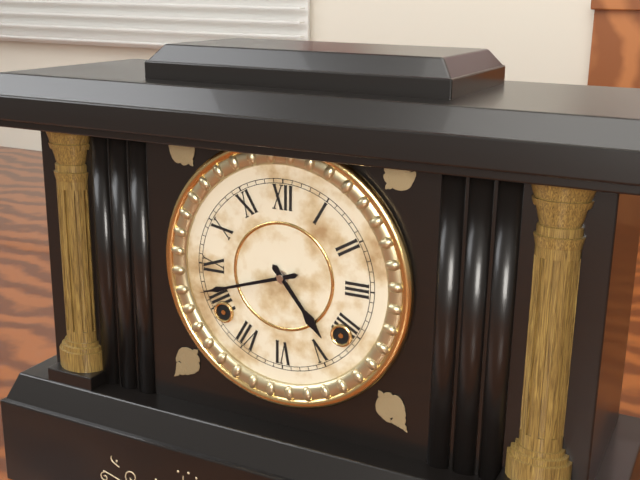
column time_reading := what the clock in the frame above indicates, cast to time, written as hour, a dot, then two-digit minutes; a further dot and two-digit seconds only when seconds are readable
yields 4.42
